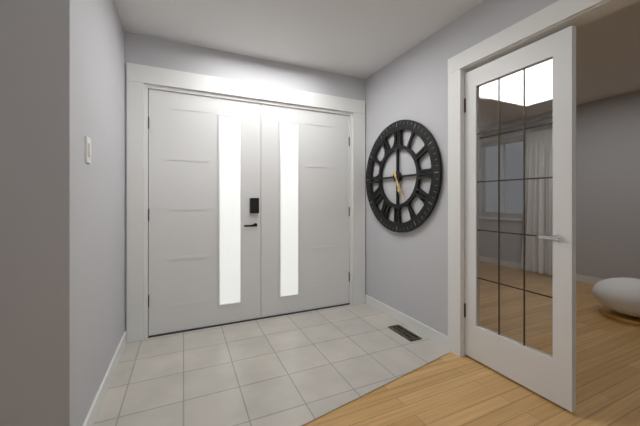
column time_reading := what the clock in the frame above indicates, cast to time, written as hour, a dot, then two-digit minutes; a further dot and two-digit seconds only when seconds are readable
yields 5.25
